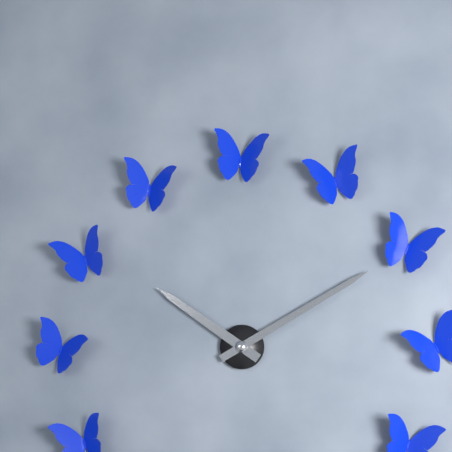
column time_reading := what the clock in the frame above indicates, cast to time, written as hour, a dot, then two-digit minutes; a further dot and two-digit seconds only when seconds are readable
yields 10.10
